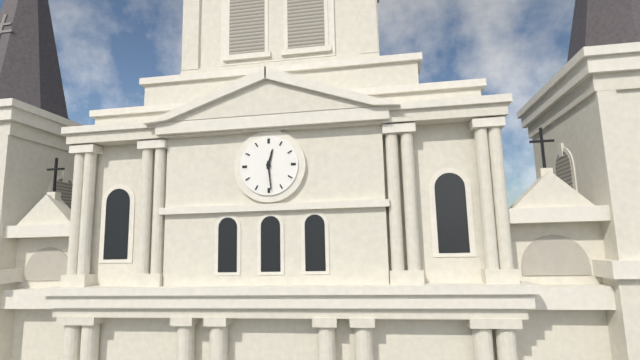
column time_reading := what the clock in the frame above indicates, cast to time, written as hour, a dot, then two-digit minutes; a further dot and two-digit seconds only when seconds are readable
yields 12.29
